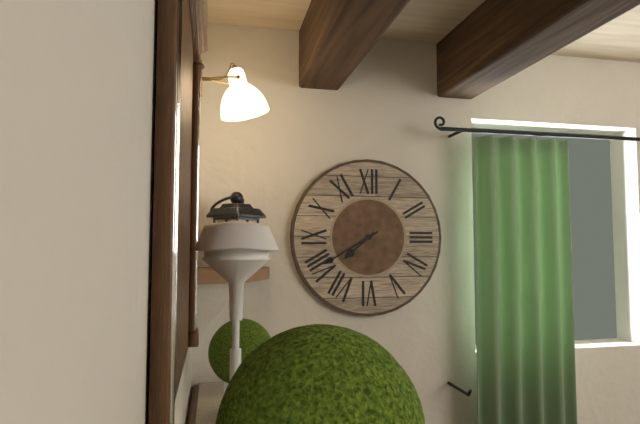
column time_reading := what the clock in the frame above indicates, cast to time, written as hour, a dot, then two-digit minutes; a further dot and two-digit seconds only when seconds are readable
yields 7.40
